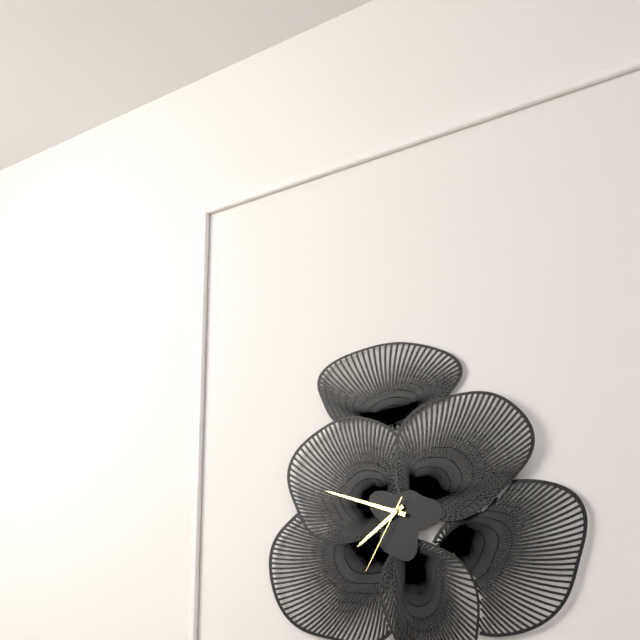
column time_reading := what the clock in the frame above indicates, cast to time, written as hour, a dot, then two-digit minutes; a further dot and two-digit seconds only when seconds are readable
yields 7.48.35
